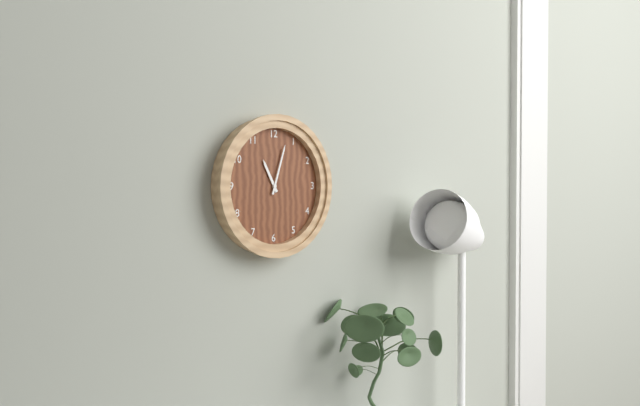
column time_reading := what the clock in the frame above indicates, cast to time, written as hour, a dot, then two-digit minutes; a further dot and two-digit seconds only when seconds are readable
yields 11.03
